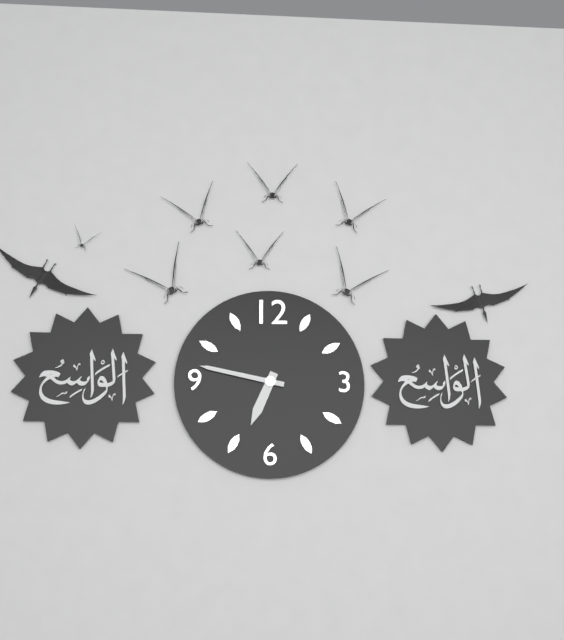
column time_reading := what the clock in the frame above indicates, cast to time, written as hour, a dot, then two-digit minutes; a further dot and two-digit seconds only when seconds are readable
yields 6.47
